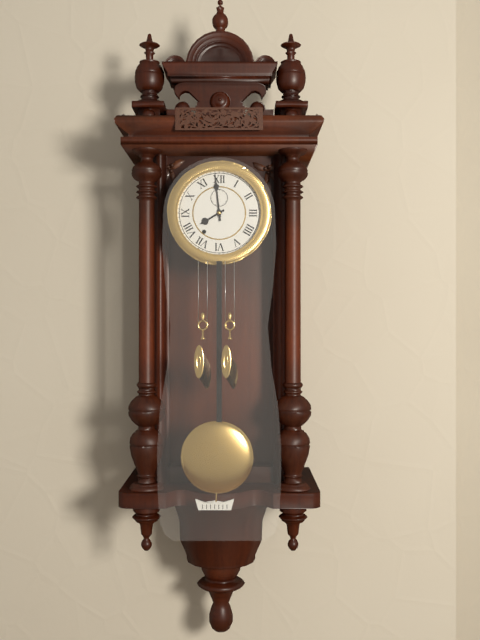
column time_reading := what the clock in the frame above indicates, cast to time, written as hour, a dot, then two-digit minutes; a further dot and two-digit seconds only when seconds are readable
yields 7.59
